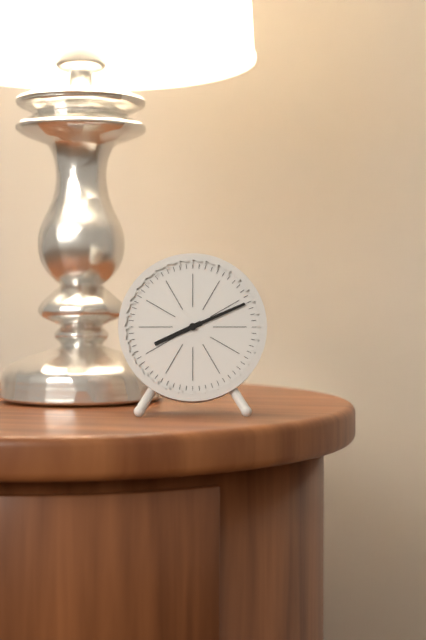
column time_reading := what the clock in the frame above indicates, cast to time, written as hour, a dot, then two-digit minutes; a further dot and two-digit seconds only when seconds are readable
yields 8.11
